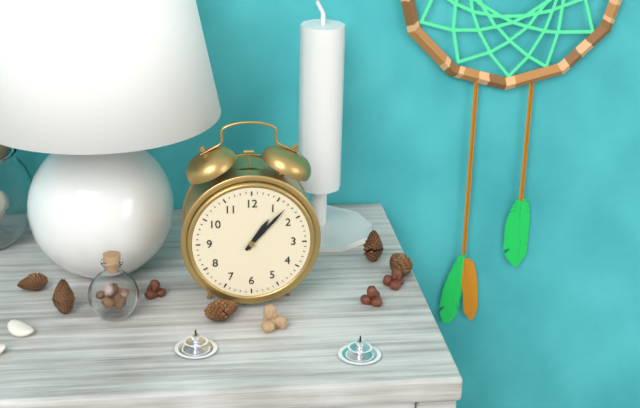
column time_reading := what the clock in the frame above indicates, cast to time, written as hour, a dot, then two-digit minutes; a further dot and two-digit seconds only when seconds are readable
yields 1.07
